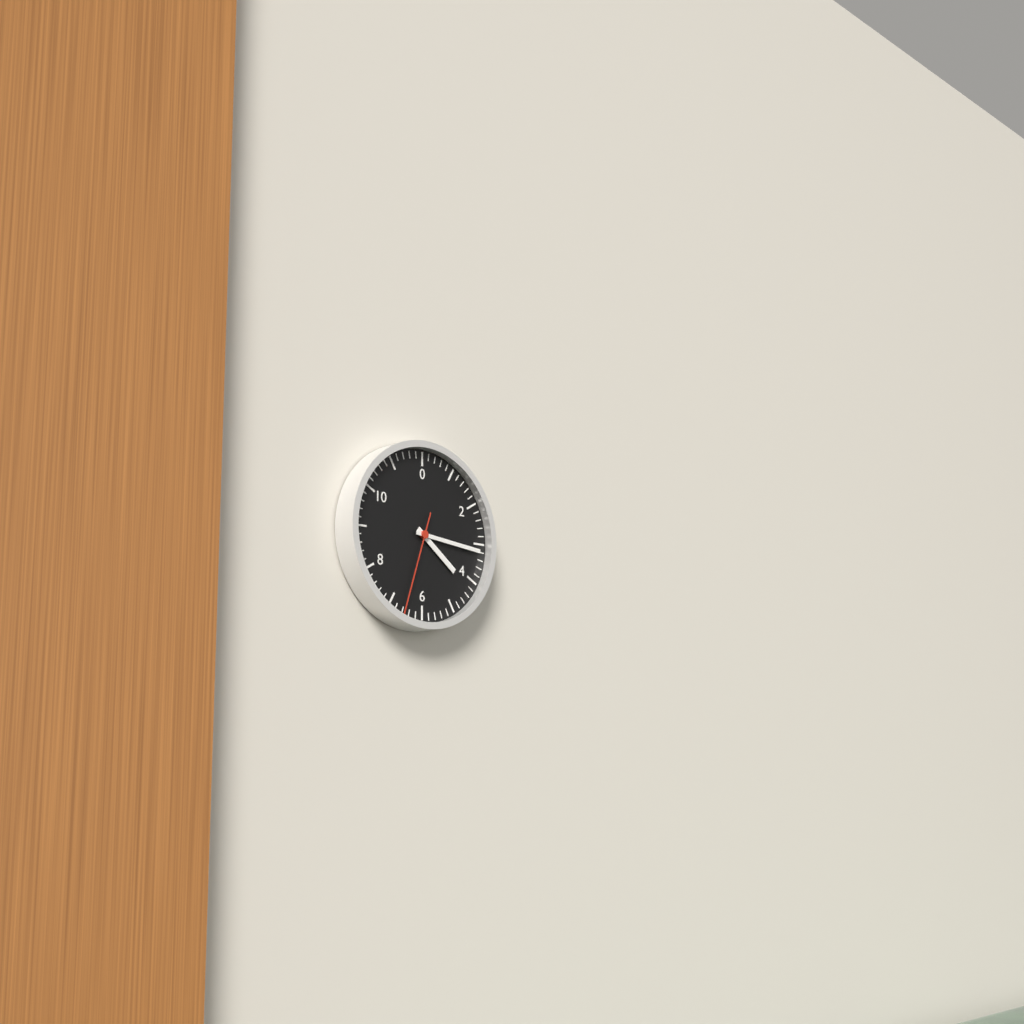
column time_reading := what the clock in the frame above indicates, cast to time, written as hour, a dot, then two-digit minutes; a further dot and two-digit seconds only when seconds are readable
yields 4.16.33
